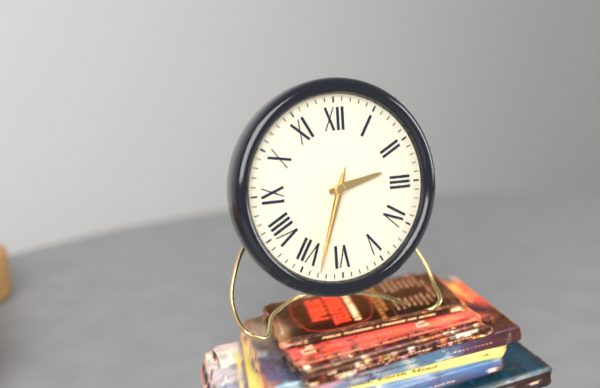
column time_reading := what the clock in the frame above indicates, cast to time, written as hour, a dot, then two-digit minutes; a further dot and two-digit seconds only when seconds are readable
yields 2.33.33
